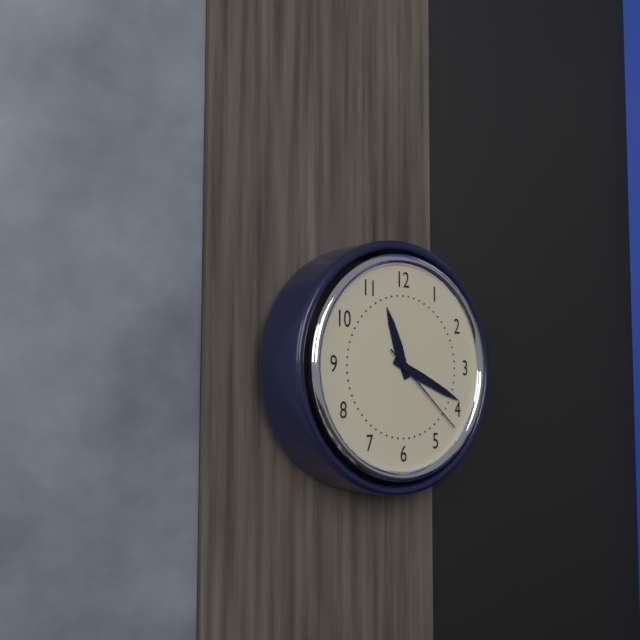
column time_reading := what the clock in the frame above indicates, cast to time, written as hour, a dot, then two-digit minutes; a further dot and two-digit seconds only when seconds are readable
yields 11.19.22
